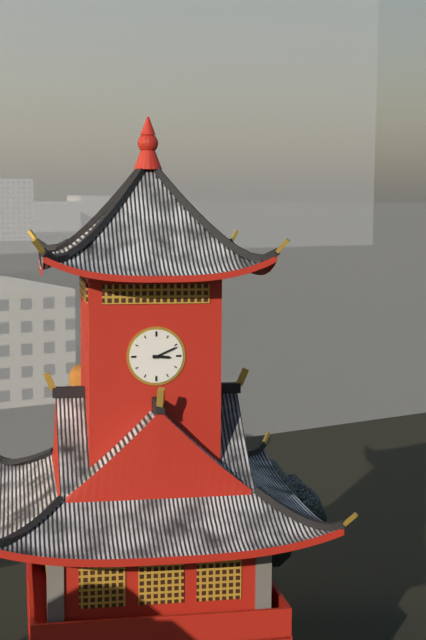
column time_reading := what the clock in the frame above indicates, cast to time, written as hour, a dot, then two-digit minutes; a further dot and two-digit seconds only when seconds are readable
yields 3.11
